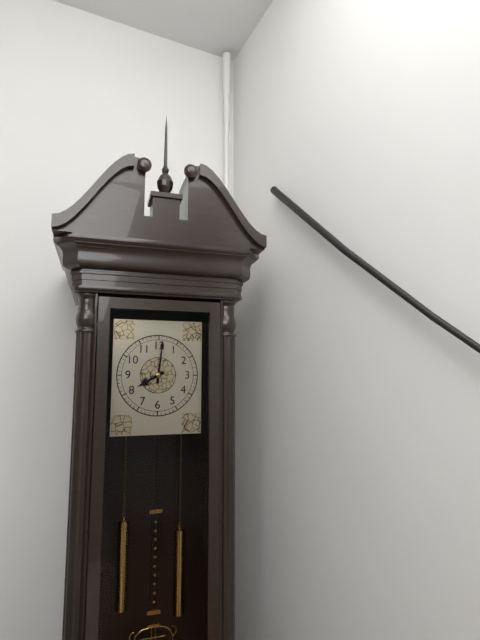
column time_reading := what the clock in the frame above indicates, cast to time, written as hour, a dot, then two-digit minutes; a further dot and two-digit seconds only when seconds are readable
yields 8.01
